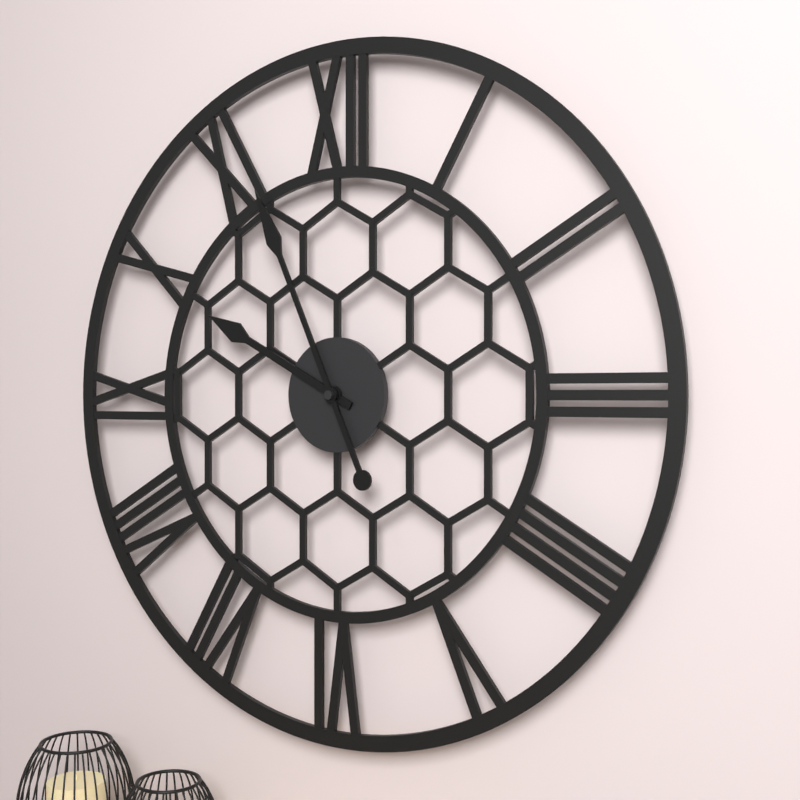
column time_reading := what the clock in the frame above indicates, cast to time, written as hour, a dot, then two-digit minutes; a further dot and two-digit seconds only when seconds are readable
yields 9.56
